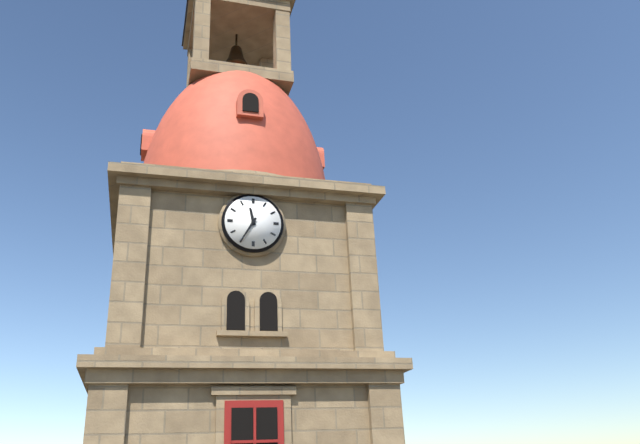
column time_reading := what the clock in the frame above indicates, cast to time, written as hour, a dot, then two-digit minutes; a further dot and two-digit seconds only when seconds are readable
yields 11.35
